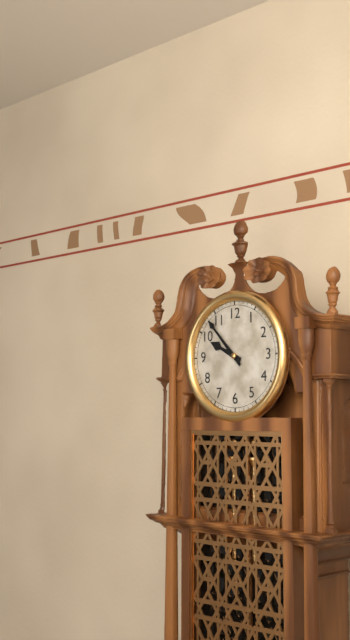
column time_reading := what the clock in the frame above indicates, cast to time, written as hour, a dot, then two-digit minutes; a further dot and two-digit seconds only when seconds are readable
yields 9.53
